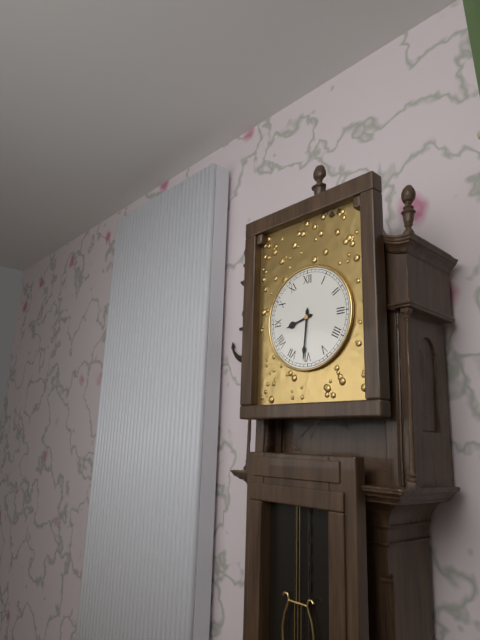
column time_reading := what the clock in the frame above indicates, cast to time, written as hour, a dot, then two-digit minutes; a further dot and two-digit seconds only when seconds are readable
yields 8.31
